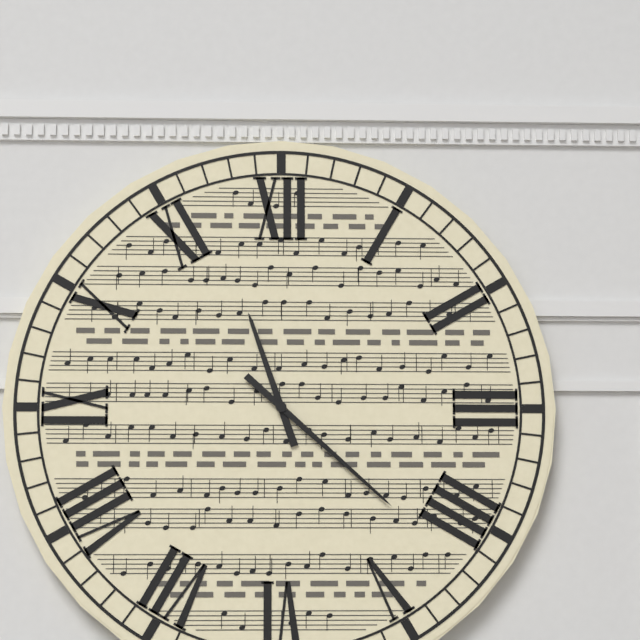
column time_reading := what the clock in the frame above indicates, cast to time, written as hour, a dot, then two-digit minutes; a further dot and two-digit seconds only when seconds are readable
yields 11.22
